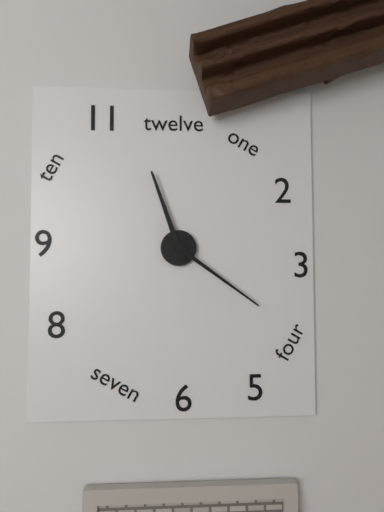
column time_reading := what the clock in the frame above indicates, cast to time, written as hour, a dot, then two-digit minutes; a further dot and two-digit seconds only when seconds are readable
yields 11.21
